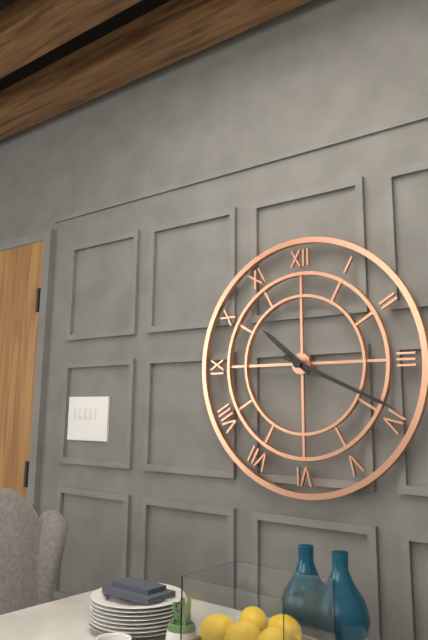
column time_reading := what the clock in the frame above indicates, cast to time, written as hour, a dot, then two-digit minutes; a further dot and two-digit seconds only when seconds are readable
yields 10.19
